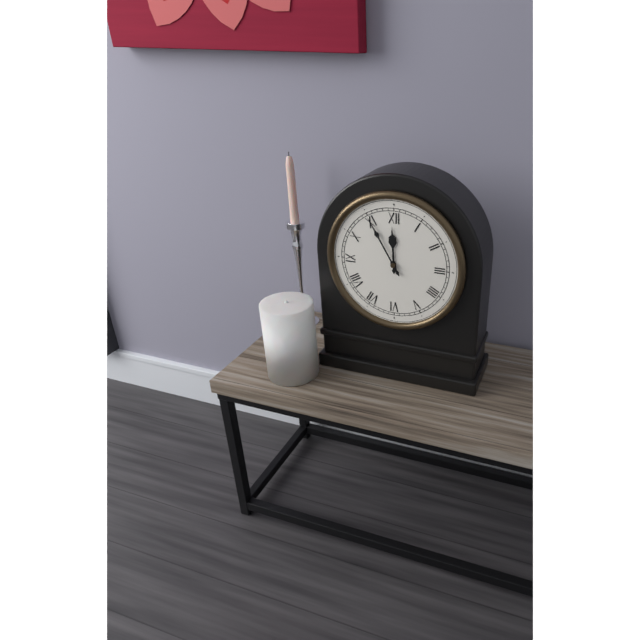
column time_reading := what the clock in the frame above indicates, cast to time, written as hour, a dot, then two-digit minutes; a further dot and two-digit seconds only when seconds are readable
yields 11.55
